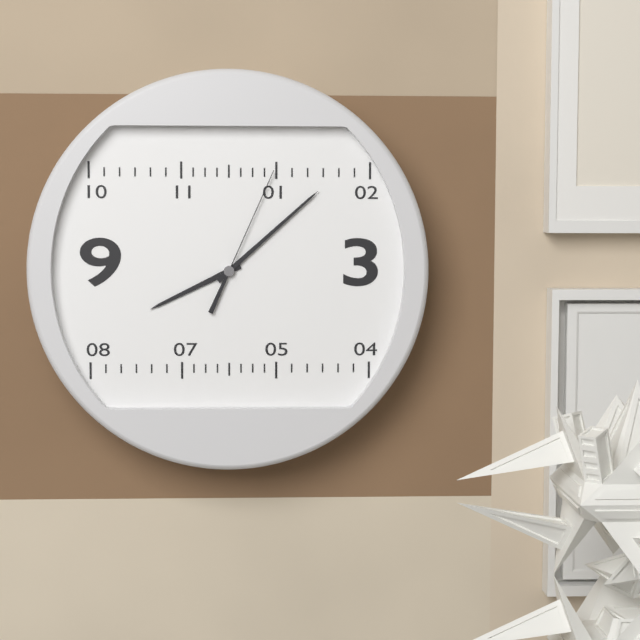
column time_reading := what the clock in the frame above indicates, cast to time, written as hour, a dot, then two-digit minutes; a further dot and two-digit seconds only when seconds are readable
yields 8.08.04
